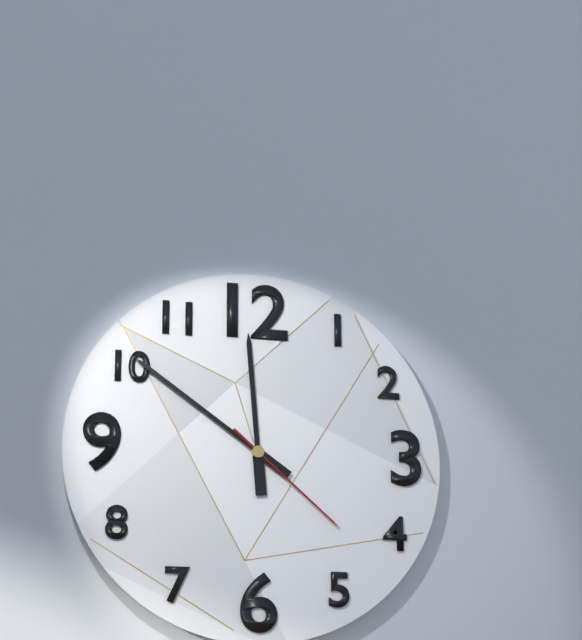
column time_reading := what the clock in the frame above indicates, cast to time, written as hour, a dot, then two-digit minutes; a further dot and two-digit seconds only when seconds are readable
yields 11.51.22
